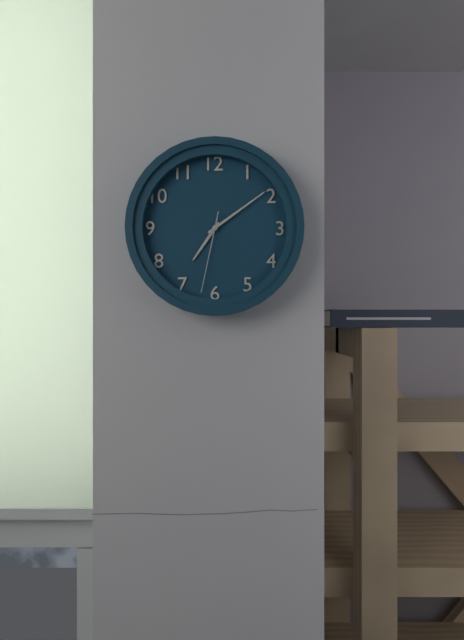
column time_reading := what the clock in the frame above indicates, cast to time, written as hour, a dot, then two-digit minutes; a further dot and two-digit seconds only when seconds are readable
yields 7.09.32
